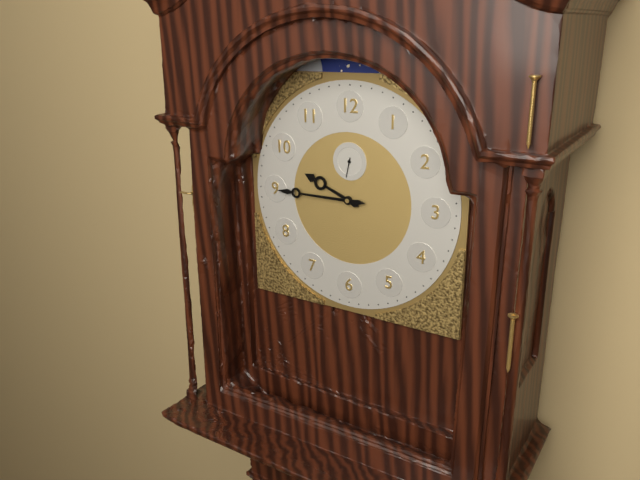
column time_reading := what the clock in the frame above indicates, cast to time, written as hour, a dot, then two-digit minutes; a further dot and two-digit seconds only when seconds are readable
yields 9.45
